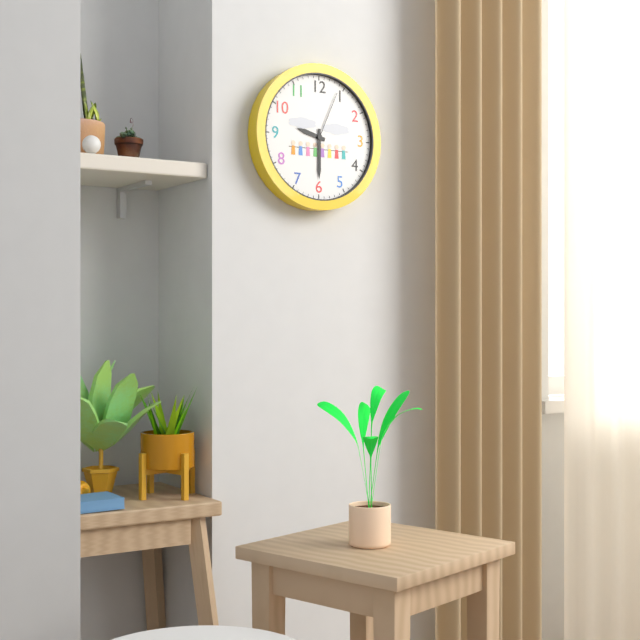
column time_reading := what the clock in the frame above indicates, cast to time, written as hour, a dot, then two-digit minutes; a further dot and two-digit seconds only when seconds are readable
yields 9.30.04
